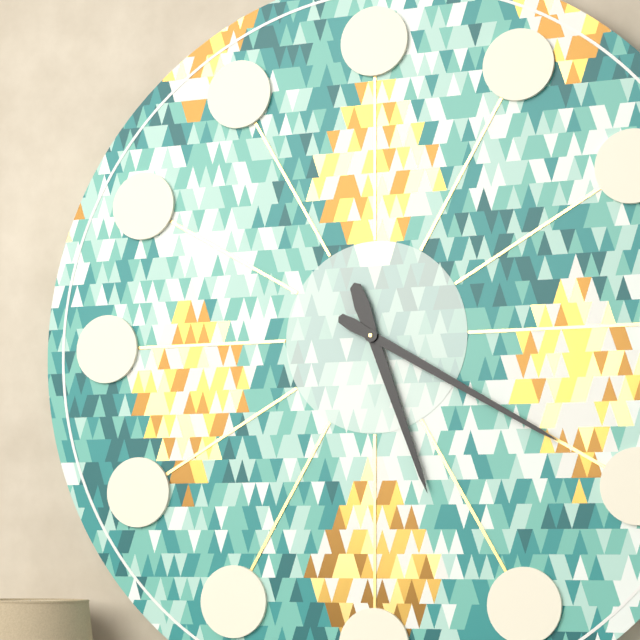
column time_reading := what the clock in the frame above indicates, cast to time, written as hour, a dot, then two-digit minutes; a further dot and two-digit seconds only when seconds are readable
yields 5.20
